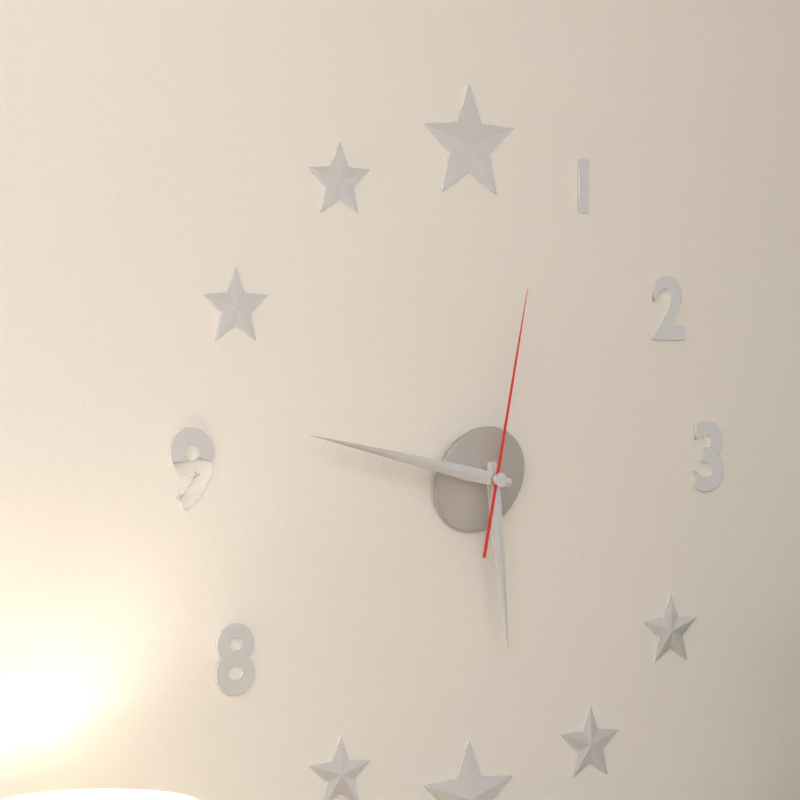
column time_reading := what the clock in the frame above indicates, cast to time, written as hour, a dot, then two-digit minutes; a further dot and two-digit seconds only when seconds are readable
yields 5.47.02
